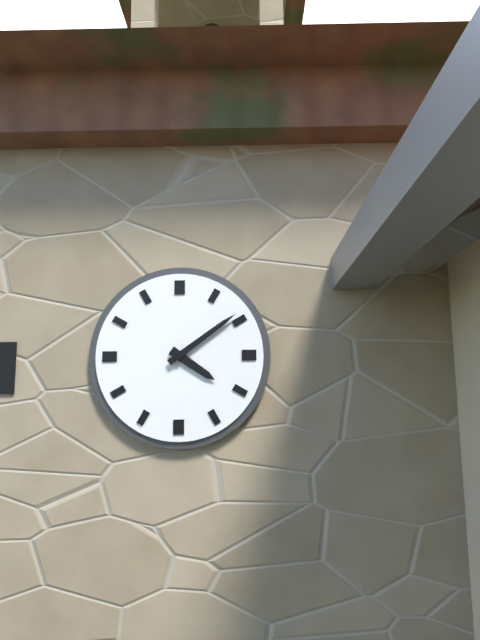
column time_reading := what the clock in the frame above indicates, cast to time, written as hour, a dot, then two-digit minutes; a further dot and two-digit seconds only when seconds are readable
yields 4.09
